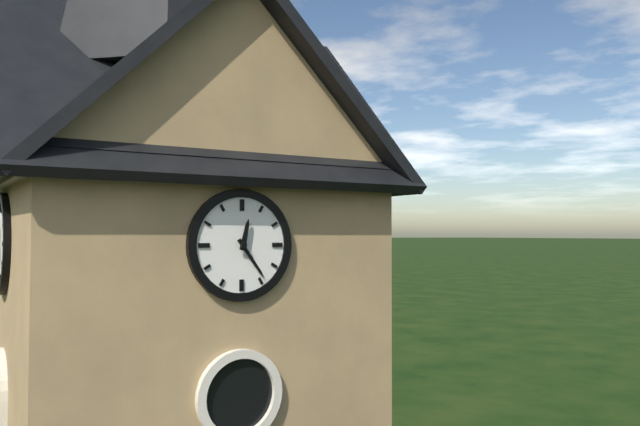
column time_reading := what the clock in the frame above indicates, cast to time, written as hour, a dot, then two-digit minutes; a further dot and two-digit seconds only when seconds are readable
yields 12.24
